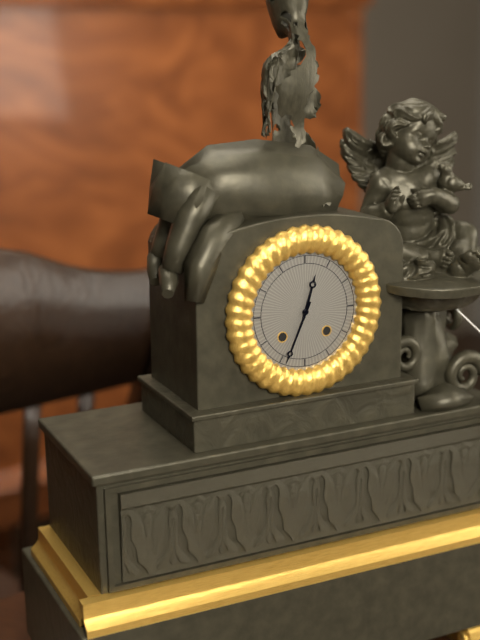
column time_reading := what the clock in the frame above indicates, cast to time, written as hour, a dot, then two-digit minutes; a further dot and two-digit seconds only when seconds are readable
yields 12.34
